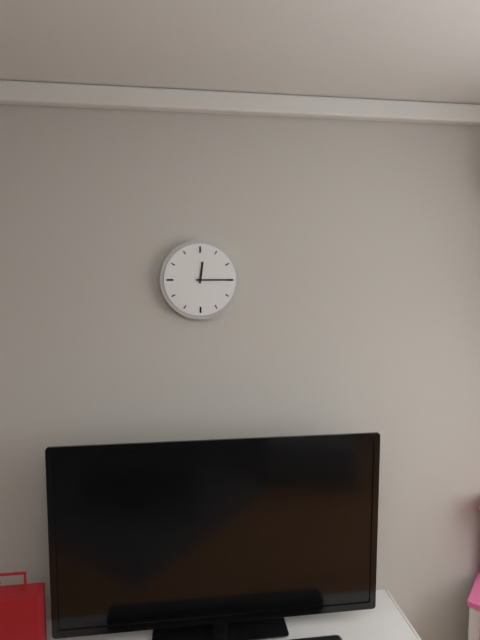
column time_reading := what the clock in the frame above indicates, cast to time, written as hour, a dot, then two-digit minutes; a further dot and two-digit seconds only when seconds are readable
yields 12.15
